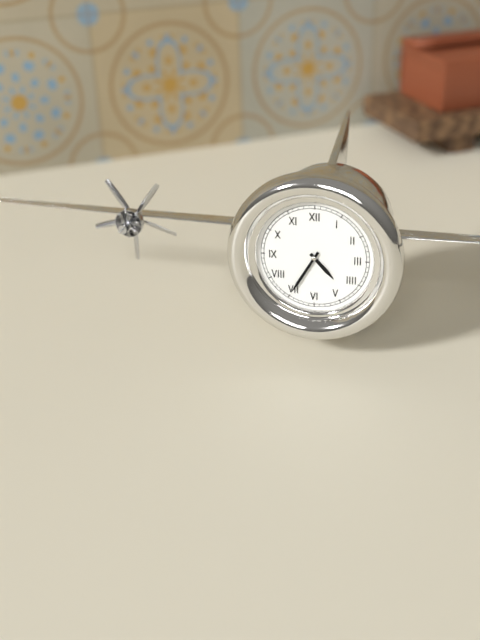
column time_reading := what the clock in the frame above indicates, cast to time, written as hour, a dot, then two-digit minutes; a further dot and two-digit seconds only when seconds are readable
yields 4.35
